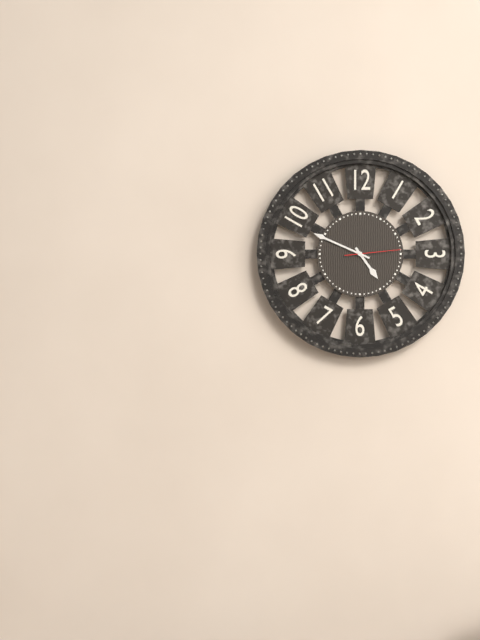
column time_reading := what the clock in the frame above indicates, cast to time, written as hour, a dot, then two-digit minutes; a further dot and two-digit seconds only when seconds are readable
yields 4.49.14
